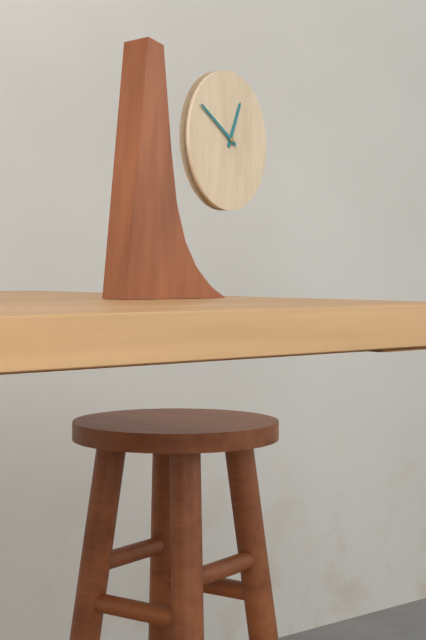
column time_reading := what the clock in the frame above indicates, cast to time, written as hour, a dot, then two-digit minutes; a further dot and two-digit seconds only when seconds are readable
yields 12.50
